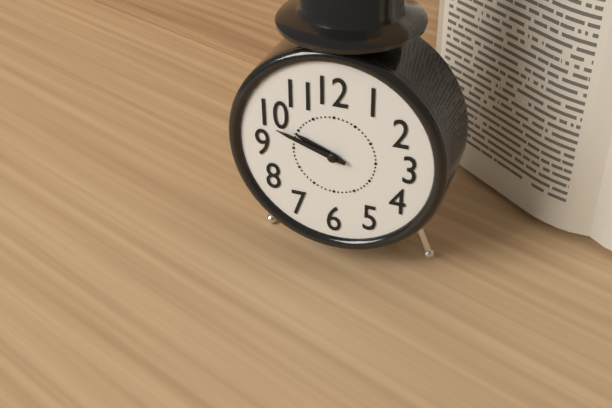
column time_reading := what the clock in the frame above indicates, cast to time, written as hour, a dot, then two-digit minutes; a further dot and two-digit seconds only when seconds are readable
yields 9.48
